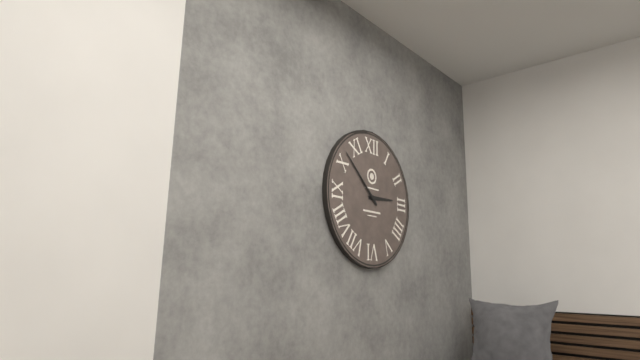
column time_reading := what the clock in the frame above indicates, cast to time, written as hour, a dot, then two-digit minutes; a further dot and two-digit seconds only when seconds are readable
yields 2.52
